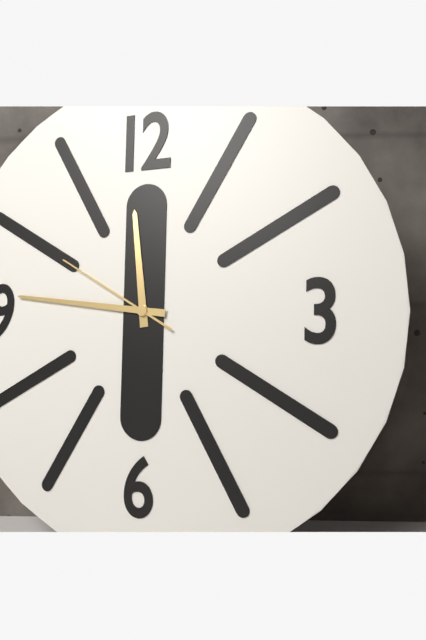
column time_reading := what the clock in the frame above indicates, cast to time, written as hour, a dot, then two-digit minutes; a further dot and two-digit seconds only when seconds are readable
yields 11.46.50
